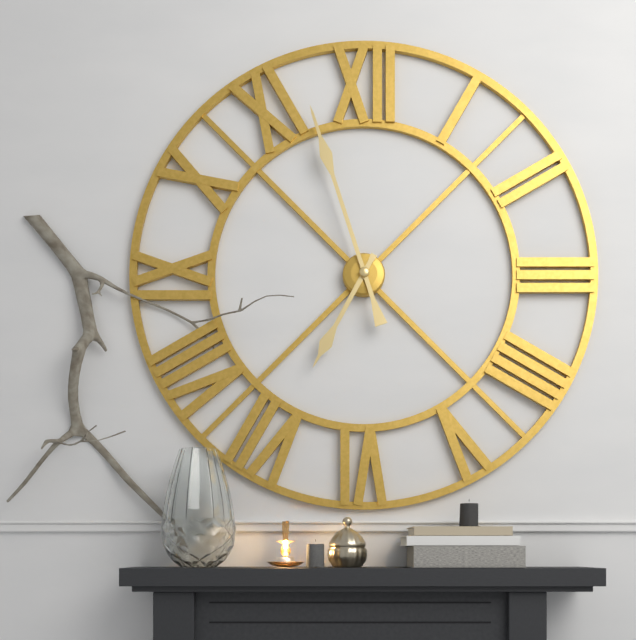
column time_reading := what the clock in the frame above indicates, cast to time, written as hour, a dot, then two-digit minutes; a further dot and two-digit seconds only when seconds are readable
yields 6.57
